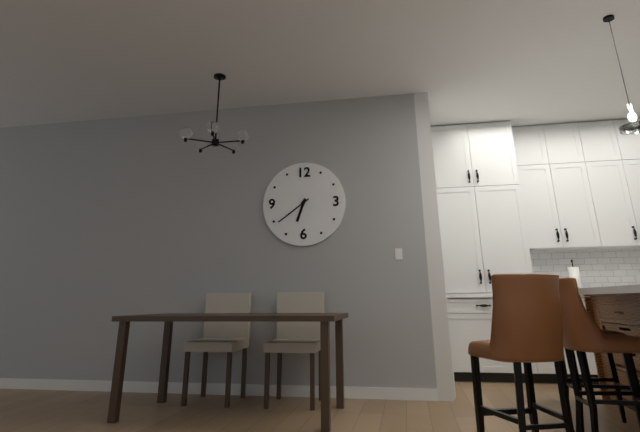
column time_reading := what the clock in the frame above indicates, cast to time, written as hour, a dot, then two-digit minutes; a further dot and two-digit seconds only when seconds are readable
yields 6.39
